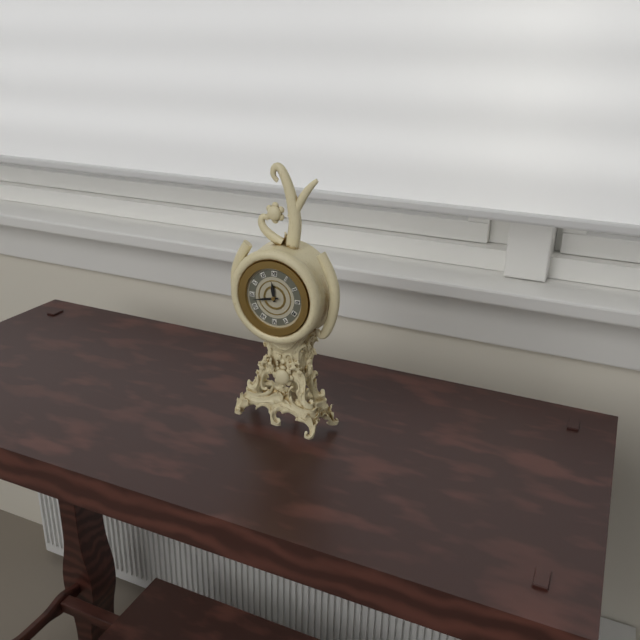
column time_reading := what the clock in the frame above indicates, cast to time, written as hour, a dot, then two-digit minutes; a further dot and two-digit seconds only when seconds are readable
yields 11.43
